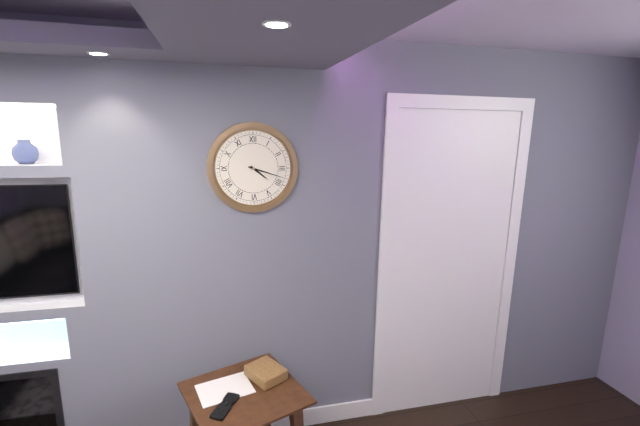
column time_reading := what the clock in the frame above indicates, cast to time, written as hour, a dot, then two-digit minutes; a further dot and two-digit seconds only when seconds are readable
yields 4.18
